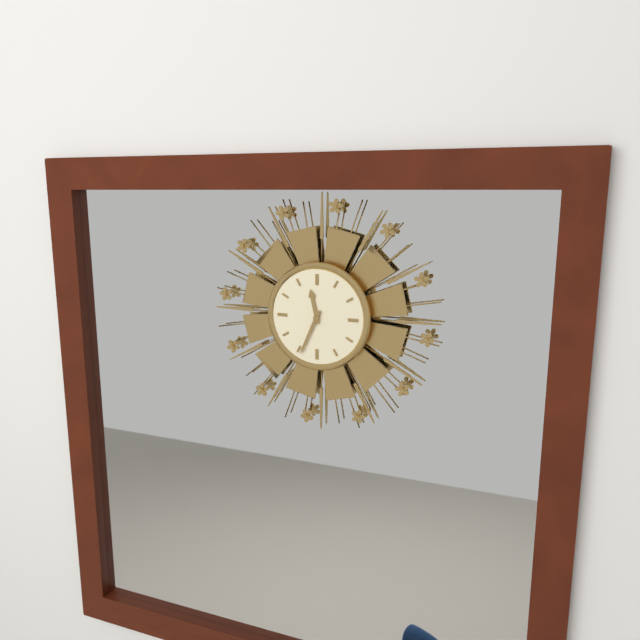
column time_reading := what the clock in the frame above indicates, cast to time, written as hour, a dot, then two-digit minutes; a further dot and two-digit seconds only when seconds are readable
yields 11.34
